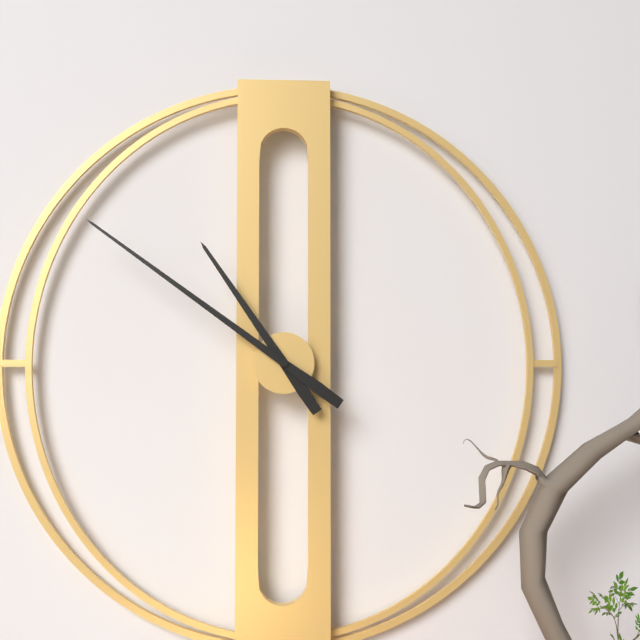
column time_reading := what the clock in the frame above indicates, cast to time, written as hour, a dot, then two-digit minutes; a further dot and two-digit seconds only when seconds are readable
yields 10.51
